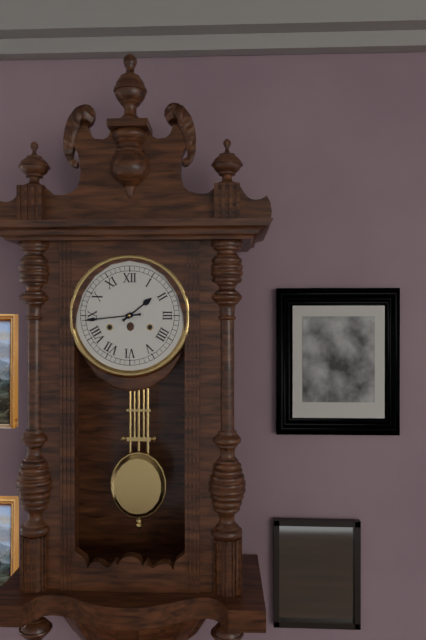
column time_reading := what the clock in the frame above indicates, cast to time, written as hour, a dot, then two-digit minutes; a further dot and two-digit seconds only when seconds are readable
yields 1.44
